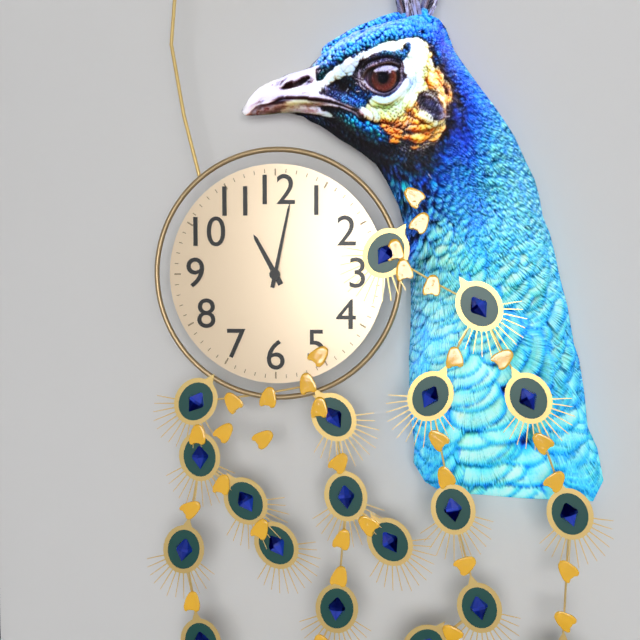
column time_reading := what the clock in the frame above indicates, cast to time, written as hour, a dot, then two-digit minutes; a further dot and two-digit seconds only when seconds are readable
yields 11.02
